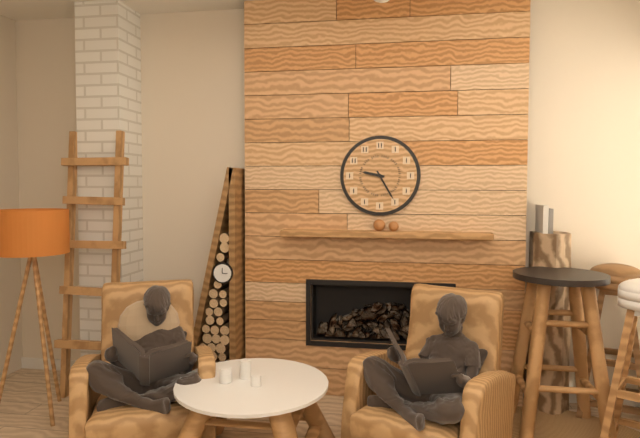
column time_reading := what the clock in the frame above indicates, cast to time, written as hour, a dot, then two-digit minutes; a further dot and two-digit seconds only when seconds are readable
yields 9.25
